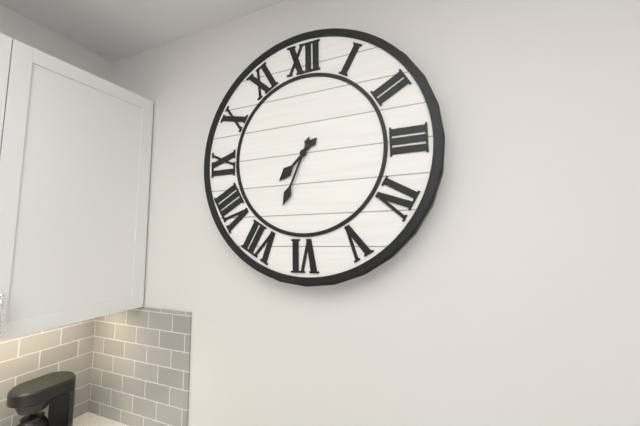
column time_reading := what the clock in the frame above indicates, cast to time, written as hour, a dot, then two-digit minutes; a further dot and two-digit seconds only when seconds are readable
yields 7.34
